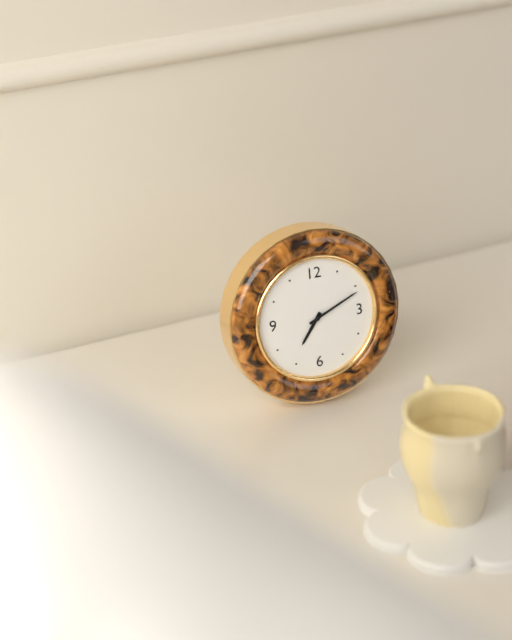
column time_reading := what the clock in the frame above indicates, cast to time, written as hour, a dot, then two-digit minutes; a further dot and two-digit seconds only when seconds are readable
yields 7.11
